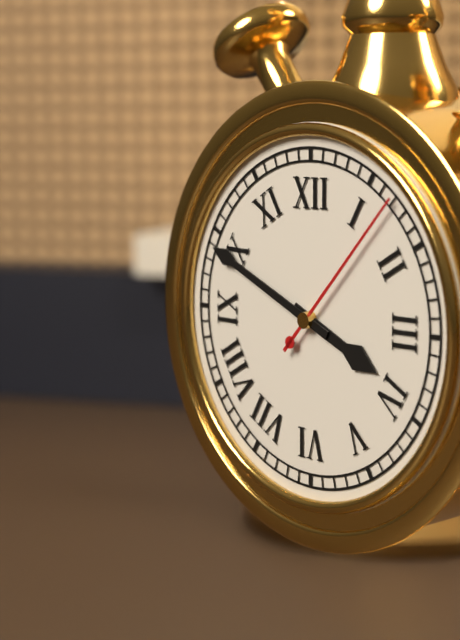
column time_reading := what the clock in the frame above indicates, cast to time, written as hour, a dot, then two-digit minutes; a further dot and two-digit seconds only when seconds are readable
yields 3.49.07
